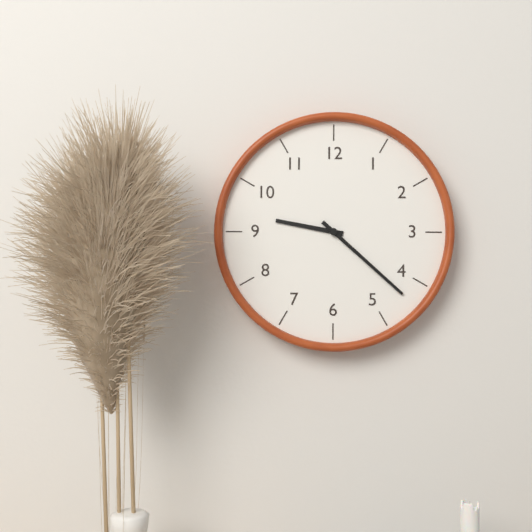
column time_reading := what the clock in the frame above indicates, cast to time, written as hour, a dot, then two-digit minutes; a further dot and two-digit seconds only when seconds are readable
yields 9.22
